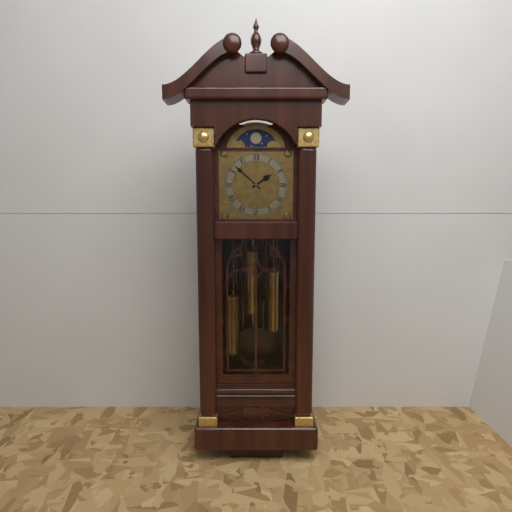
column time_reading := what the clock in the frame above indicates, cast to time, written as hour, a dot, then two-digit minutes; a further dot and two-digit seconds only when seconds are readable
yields 1.52
